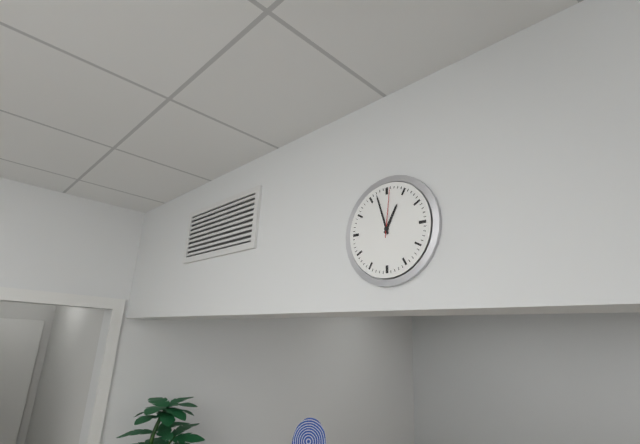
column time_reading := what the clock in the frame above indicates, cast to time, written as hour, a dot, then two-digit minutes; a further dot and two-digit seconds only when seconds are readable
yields 12.57.01
